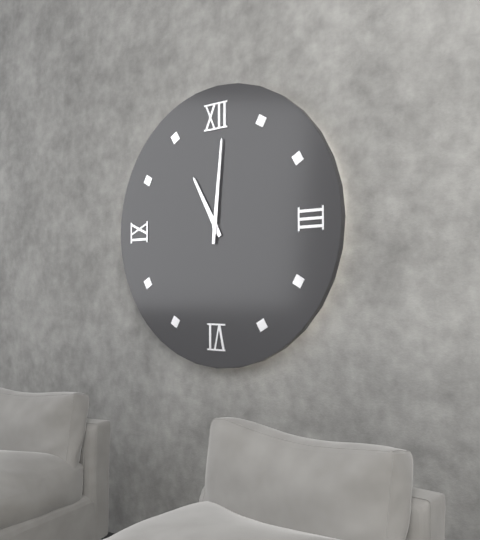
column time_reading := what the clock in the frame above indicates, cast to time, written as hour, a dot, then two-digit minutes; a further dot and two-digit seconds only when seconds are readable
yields 11.01
